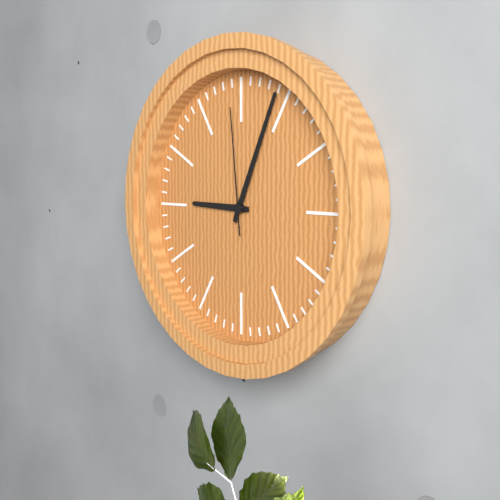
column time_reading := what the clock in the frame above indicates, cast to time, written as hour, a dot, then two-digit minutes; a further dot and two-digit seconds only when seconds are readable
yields 9.04.59
